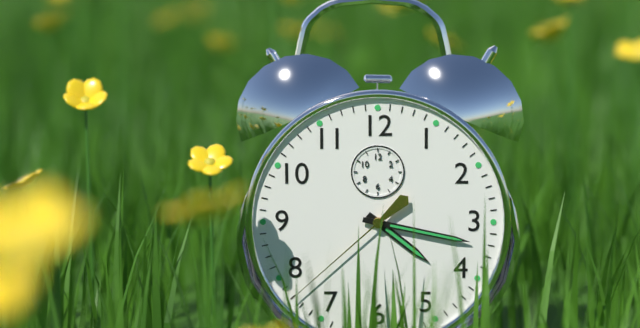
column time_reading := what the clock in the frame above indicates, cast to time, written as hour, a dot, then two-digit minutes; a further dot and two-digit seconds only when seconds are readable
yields 4.17.38
